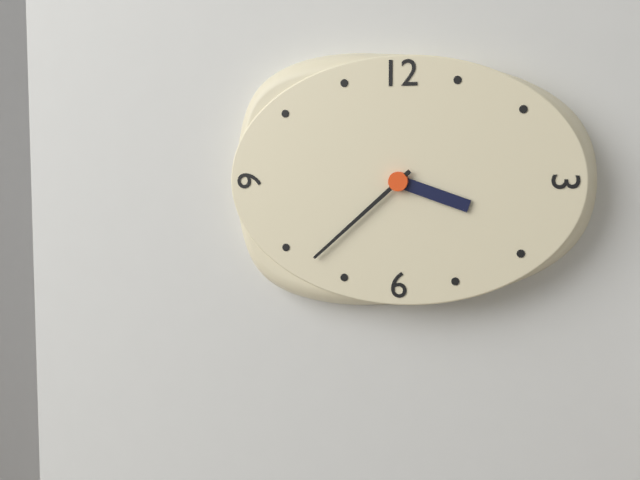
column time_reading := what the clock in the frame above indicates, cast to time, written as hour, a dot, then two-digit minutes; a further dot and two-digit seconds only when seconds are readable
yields 3.38
